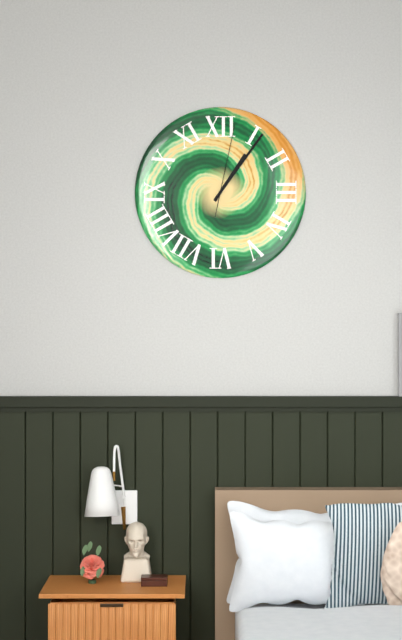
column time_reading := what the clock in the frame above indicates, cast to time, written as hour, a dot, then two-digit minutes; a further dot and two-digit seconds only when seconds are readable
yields 1.06.02
